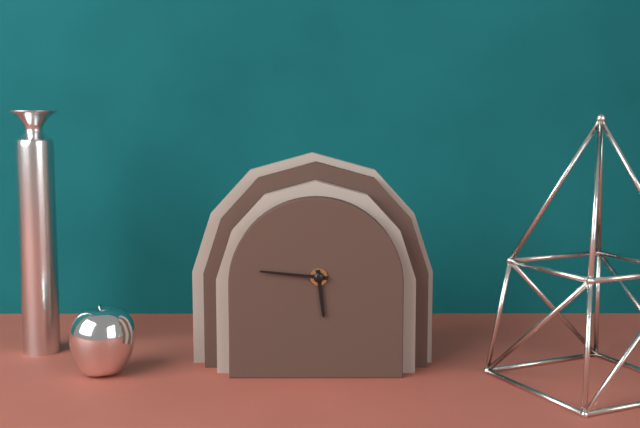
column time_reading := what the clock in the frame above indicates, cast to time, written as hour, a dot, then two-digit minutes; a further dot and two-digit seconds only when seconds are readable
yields 5.46
